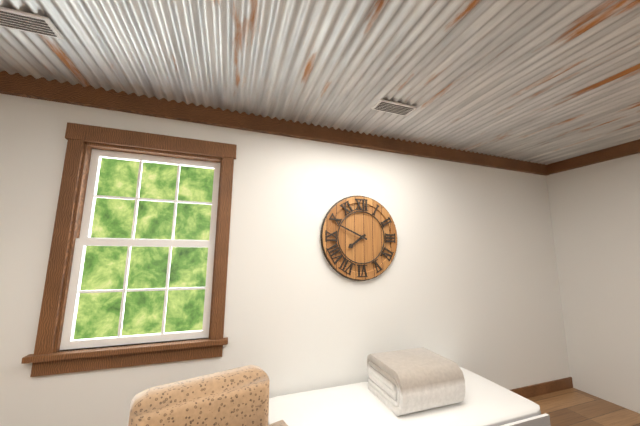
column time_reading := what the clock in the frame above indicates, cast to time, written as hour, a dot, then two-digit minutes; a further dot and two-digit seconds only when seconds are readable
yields 7.49
